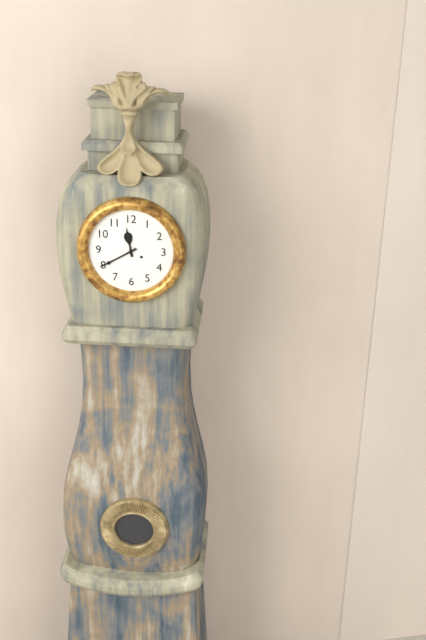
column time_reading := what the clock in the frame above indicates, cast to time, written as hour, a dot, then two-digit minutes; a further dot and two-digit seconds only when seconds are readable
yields 11.40
